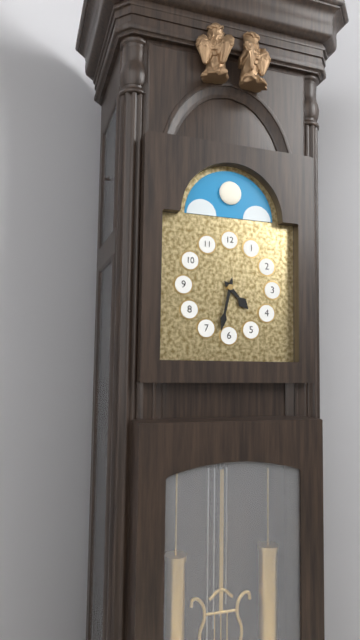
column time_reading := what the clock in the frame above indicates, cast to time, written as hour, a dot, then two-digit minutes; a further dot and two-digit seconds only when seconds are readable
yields 4.32
